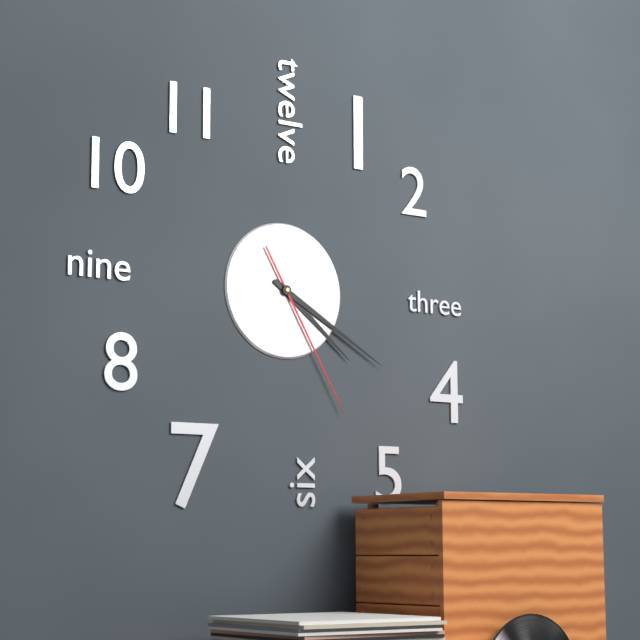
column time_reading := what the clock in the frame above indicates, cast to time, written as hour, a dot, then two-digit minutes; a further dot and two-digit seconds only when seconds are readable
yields 4.20.25
